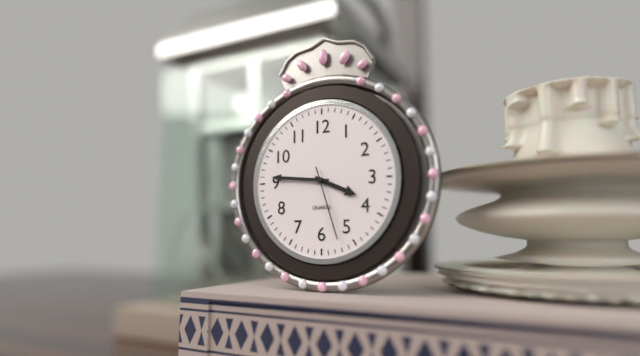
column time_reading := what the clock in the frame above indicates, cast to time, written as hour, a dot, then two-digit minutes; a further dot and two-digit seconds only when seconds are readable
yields 3.46.27
